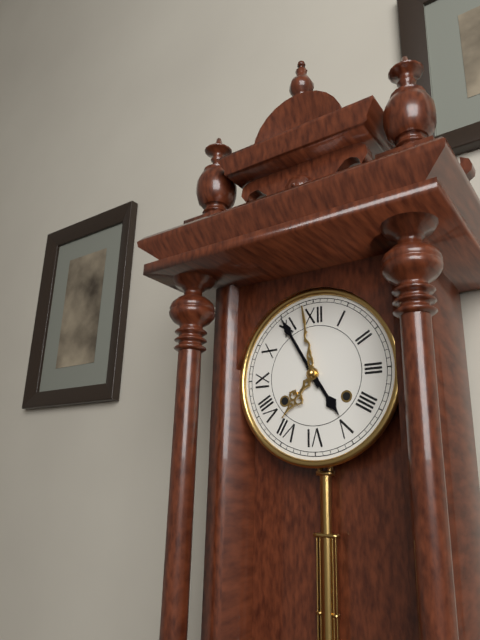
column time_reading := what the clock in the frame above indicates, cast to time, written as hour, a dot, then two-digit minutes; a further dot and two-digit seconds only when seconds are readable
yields 4.55
